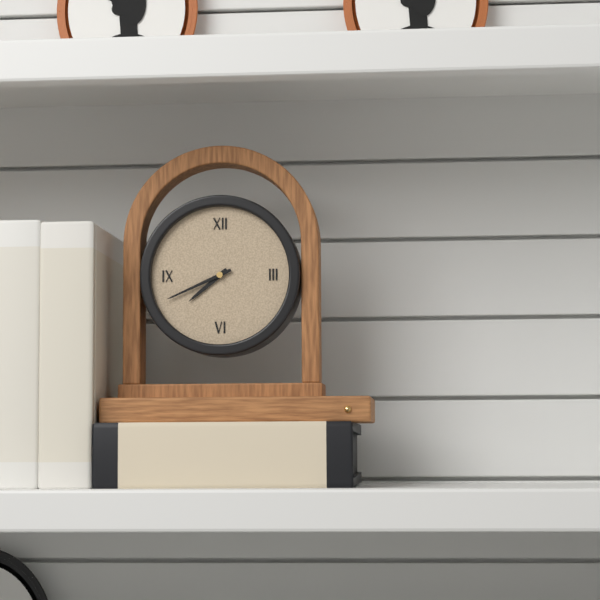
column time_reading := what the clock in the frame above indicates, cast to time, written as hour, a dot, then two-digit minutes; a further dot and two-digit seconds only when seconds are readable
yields 7.41
